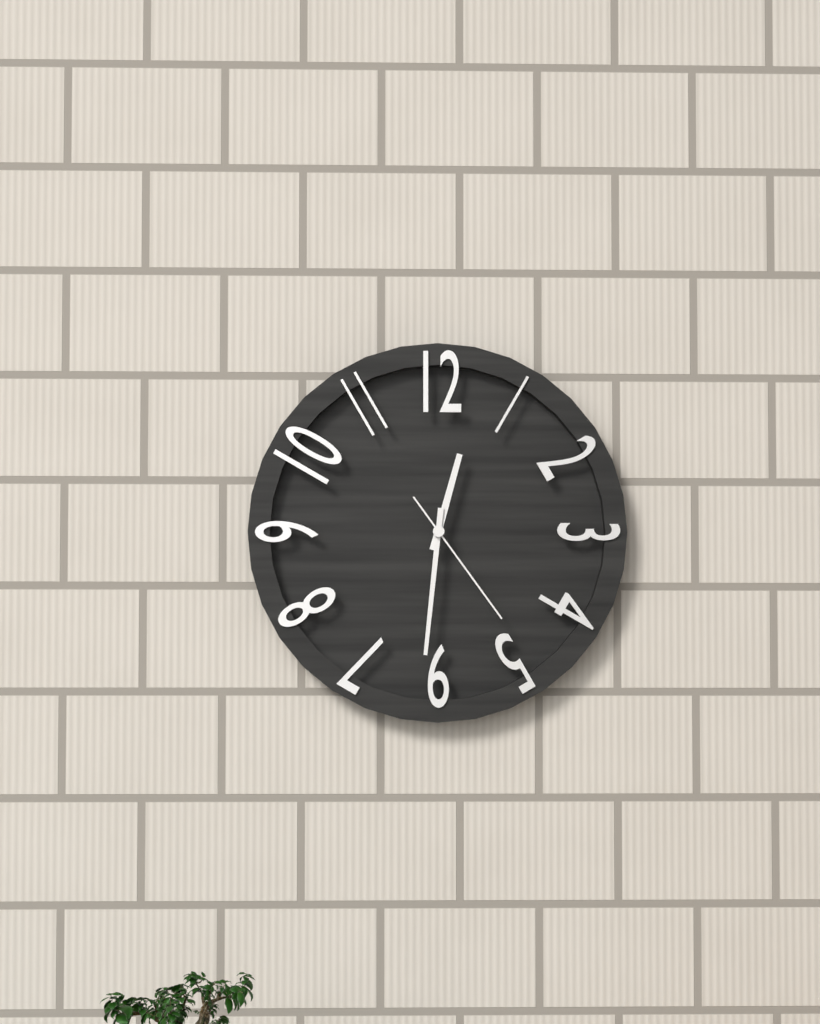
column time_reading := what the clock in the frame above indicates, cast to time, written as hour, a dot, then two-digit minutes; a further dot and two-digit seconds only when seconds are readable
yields 12.31.24
